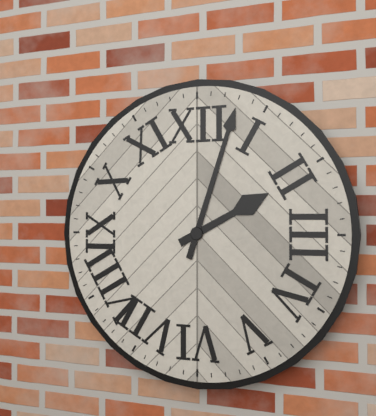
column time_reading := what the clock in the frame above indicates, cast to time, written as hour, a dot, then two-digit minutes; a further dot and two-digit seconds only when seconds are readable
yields 2.03
